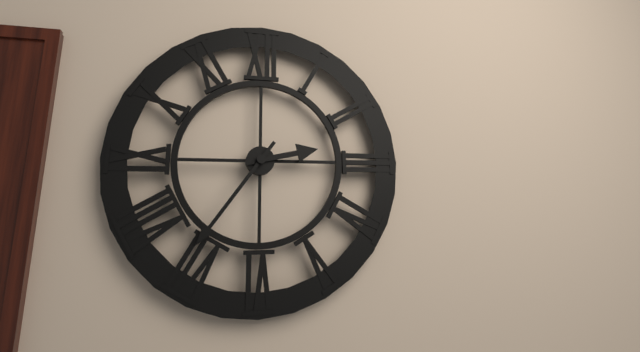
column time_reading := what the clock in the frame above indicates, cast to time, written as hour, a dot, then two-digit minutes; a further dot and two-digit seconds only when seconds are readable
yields 2.36
